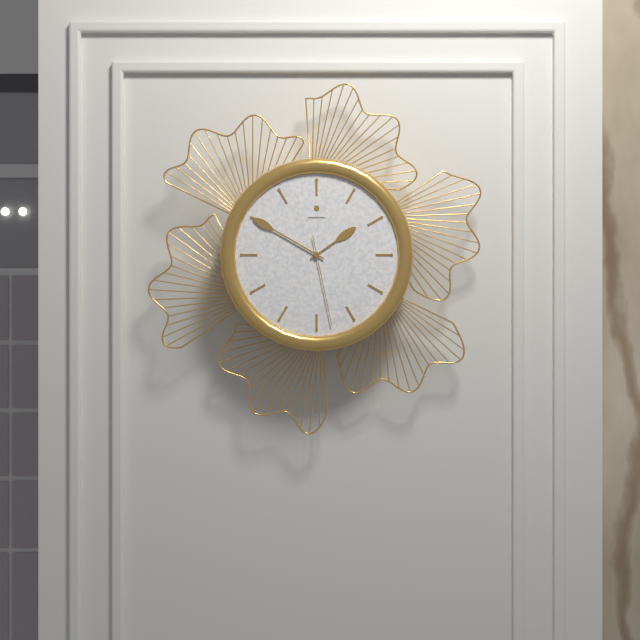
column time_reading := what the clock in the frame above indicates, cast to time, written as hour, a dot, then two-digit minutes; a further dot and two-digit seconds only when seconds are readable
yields 1.50.28
